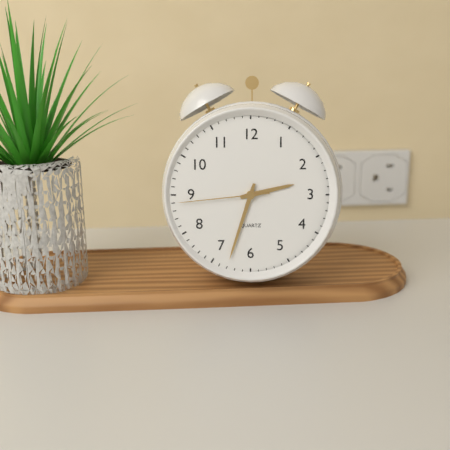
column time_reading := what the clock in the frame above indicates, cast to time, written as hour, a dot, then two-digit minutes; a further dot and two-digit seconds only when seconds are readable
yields 2.33.44
